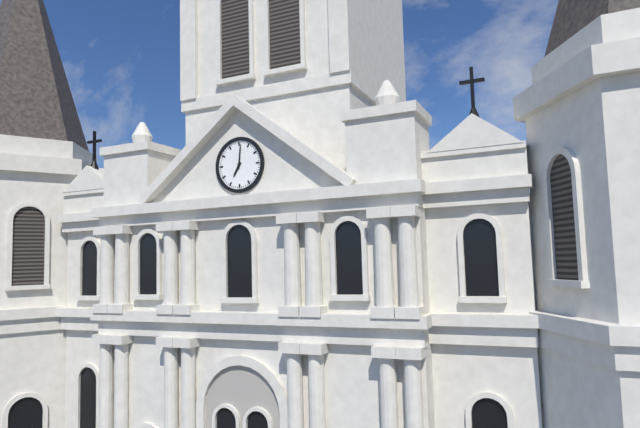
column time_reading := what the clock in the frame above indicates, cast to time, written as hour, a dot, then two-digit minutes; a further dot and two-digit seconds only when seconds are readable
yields 7.01
